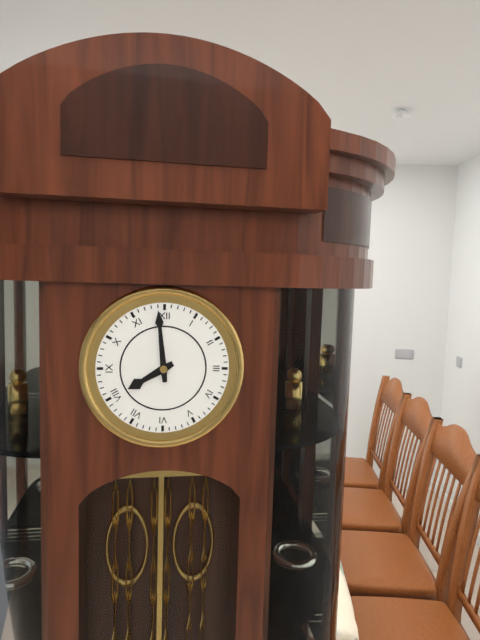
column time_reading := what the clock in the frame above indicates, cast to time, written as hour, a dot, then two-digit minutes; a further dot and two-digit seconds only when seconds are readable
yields 7.59
